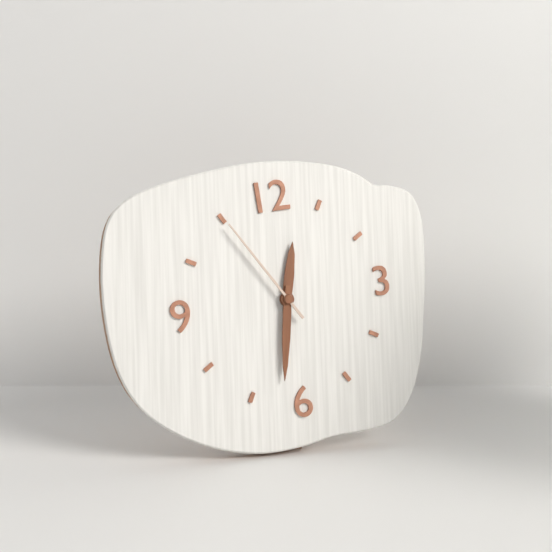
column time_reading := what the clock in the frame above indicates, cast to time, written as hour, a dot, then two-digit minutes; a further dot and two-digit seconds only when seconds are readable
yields 12.32.55
